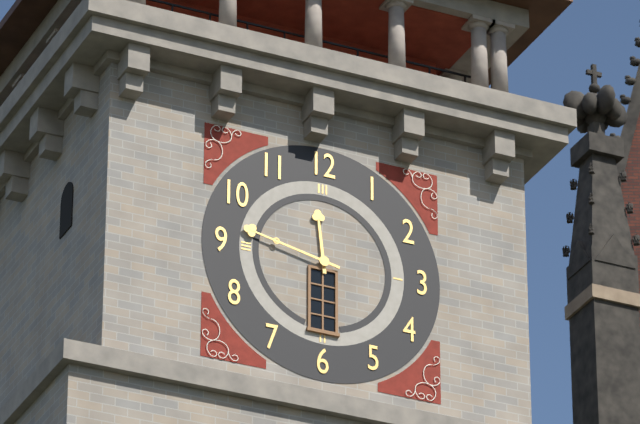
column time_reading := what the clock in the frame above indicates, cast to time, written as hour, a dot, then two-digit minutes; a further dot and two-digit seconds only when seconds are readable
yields 11.47
